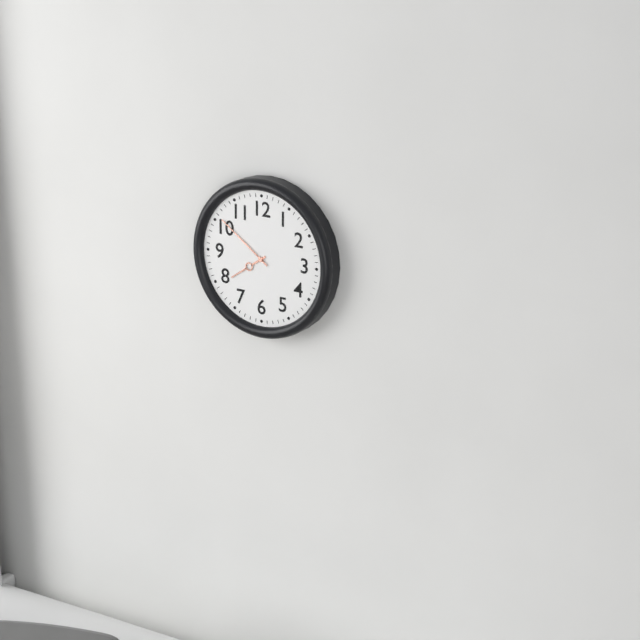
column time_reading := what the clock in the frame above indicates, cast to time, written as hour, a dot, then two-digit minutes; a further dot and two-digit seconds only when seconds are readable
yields 7.51
